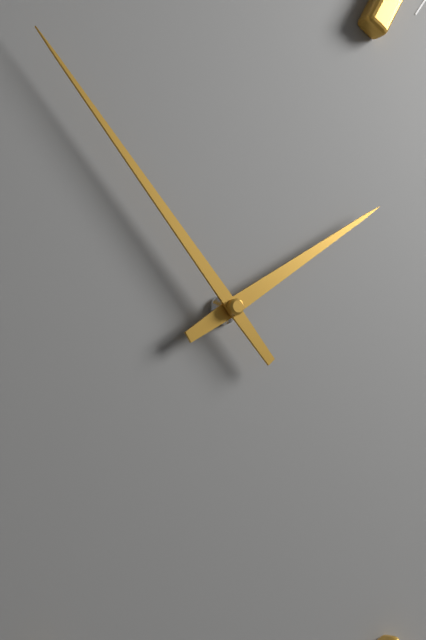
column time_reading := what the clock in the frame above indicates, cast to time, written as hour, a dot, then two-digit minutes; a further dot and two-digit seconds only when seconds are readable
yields 1.53
